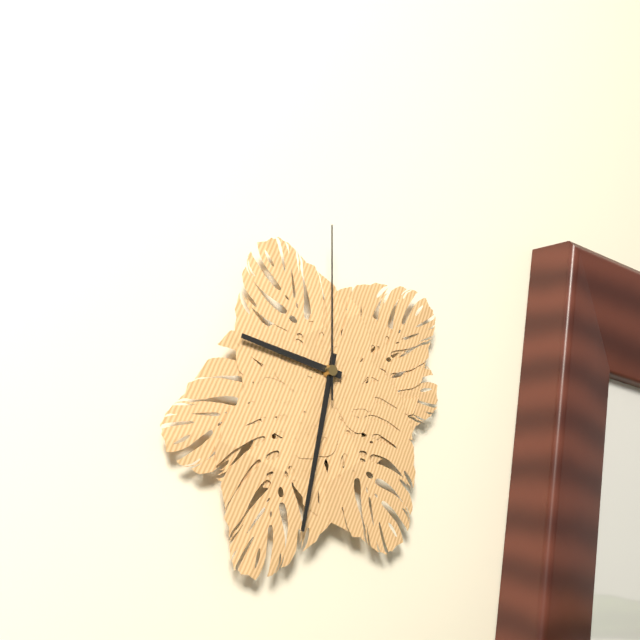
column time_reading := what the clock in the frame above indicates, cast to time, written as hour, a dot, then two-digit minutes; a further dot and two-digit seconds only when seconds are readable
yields 9.32.00
